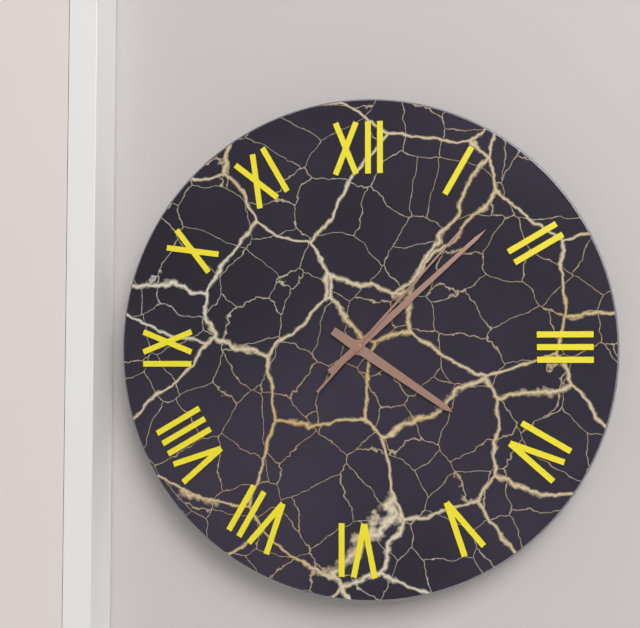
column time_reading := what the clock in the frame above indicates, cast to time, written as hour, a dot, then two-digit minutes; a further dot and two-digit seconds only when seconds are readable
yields 4.08.07
